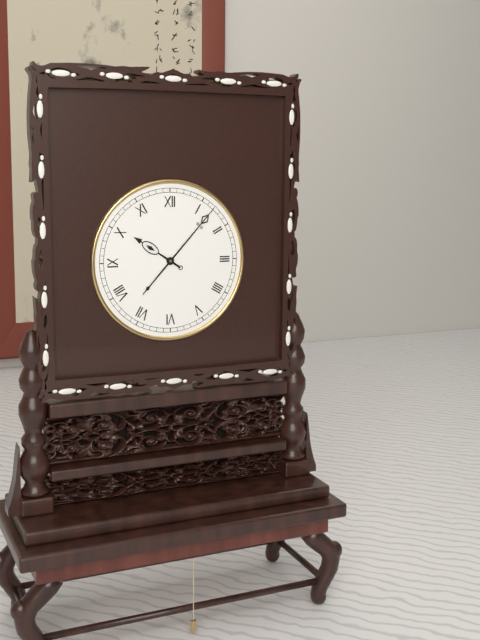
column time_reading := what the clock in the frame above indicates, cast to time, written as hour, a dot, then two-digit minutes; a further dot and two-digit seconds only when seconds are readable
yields 10.07
